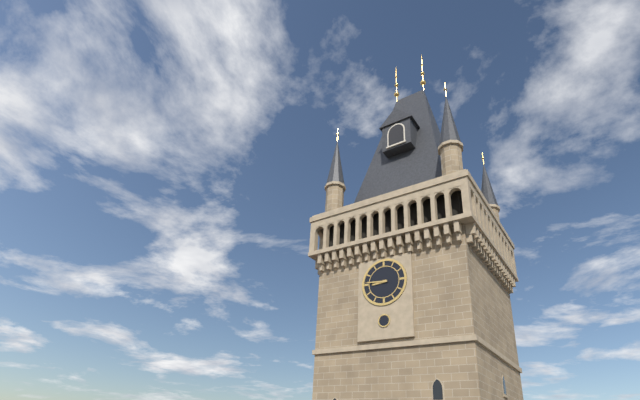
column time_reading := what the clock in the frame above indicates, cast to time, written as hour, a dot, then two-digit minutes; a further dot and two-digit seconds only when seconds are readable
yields 8.46
